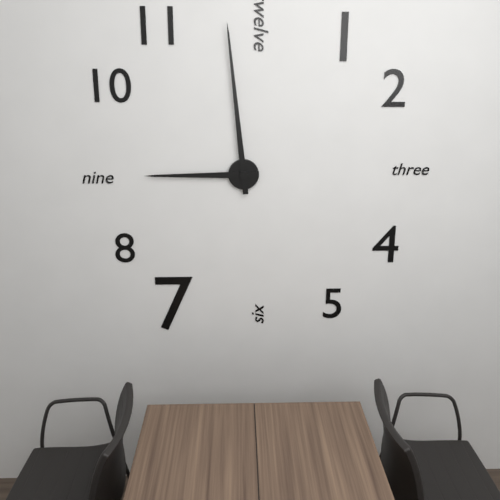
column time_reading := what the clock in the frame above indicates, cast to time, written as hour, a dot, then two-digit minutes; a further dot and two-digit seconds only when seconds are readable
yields 8.59
